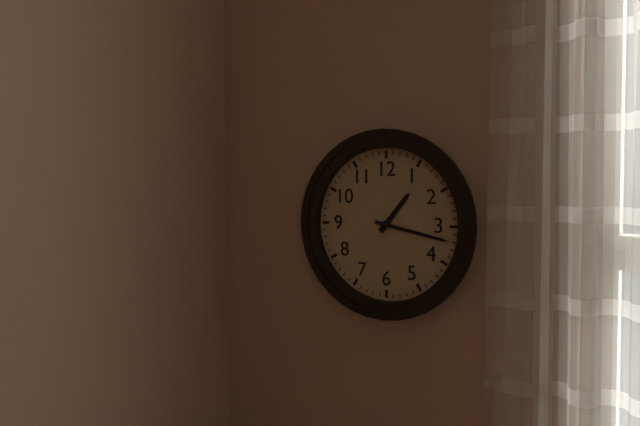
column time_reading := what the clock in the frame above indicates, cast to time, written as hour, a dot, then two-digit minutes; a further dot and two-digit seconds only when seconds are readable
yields 1.17
